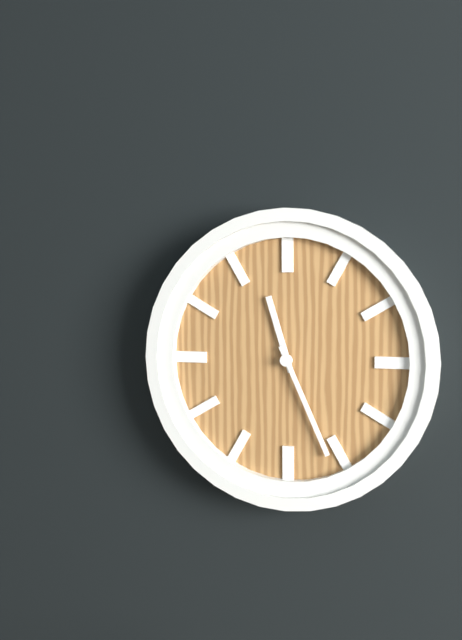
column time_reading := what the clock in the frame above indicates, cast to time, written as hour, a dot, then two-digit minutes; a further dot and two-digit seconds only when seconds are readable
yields 11.26
